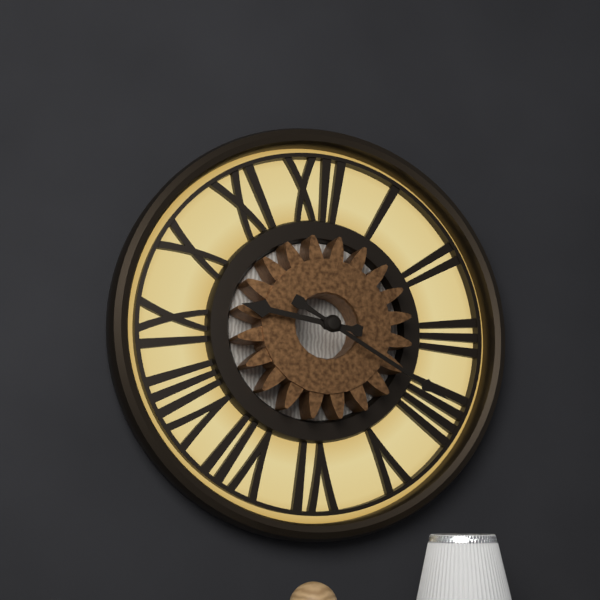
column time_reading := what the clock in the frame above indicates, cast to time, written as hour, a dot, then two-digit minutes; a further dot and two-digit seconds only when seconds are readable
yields 9.20
